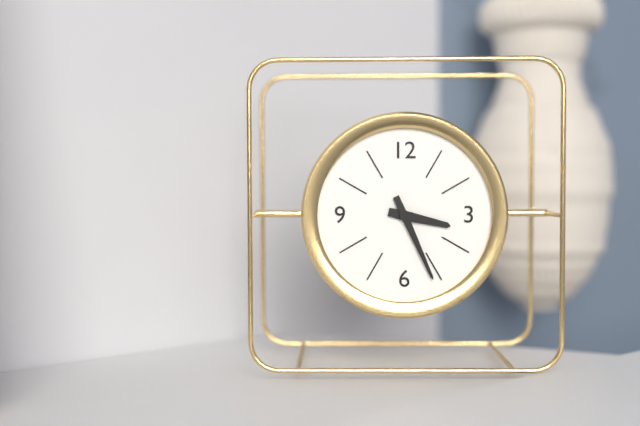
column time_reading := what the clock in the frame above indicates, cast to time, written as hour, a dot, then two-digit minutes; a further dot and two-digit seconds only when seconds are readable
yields 3.26
